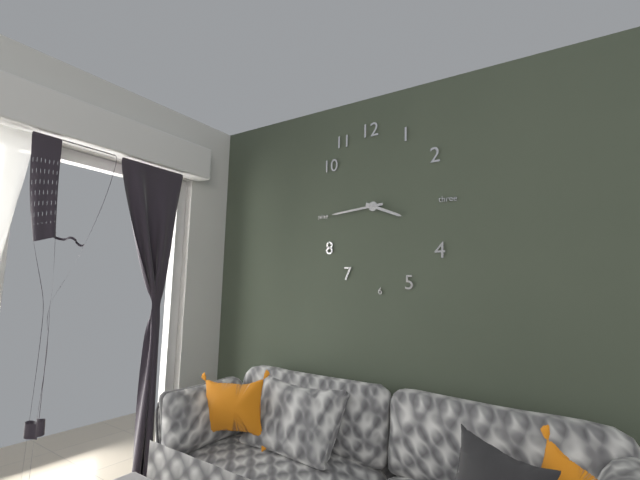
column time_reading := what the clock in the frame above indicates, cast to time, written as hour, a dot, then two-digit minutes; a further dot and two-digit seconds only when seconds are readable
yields 3.44
